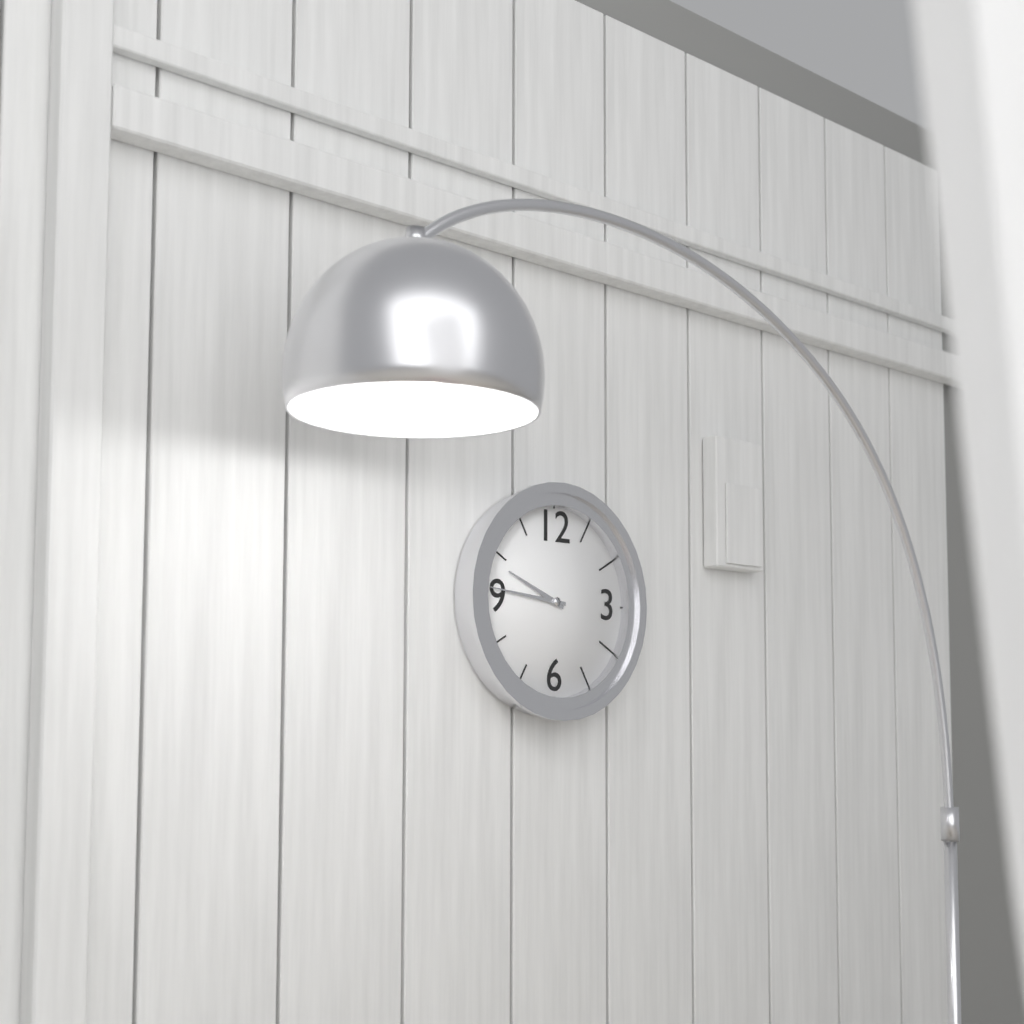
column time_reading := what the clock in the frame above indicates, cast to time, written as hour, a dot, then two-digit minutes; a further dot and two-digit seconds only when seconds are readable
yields 9.46
